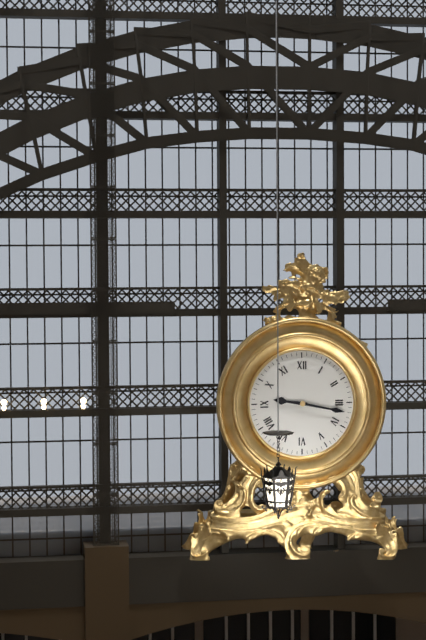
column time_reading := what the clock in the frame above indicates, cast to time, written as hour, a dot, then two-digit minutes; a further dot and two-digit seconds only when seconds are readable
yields 9.17
